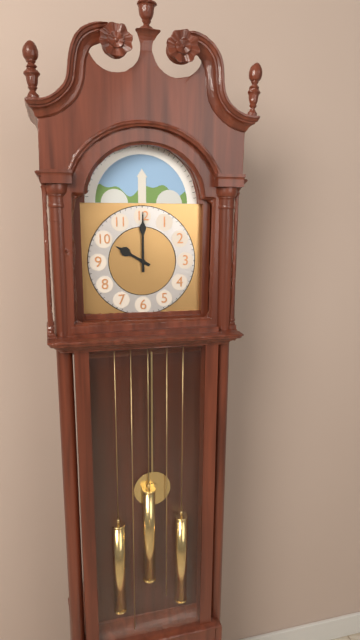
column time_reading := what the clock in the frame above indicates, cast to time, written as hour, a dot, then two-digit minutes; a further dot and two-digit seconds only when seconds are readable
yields 10.00
